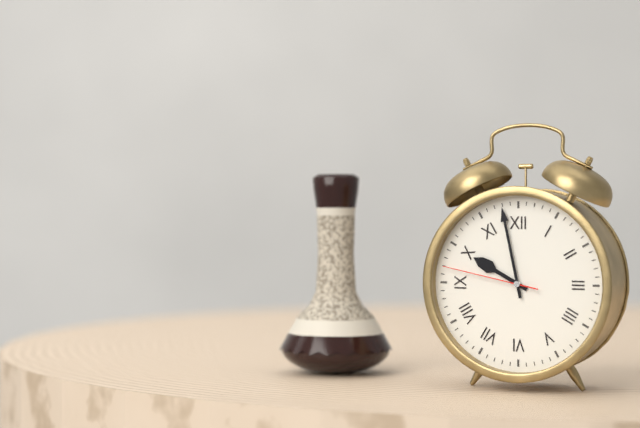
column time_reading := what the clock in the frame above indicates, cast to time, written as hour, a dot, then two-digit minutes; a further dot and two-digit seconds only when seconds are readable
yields 9.58.47
